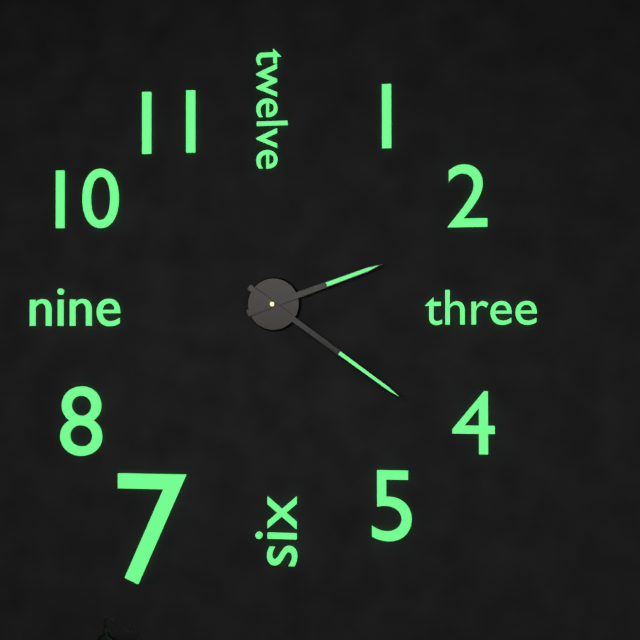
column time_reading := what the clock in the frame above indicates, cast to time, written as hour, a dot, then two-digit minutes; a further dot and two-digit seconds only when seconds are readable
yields 2.21
